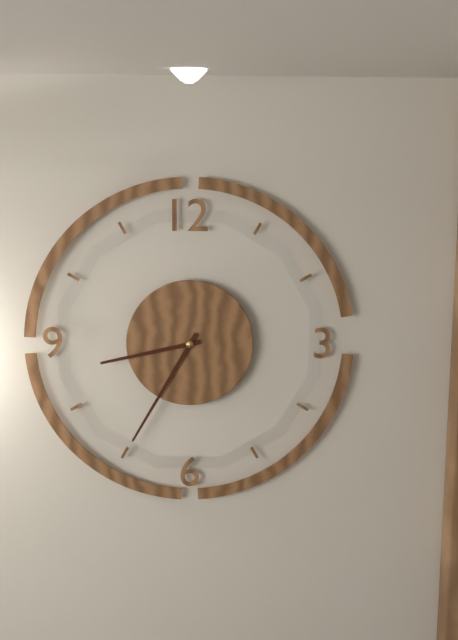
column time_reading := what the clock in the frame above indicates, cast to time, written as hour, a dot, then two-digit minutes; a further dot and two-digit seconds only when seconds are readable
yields 8.35
